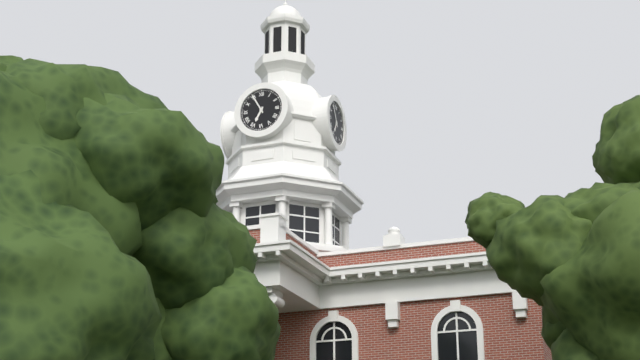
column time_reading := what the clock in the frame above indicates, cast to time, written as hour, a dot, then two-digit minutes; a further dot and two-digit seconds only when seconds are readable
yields 6.55
